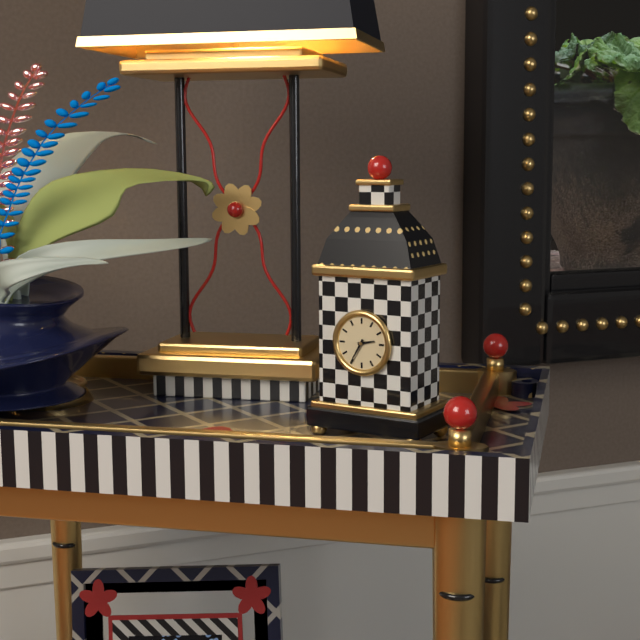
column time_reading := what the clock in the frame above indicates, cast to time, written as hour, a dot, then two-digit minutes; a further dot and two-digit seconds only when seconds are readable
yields 2.35
